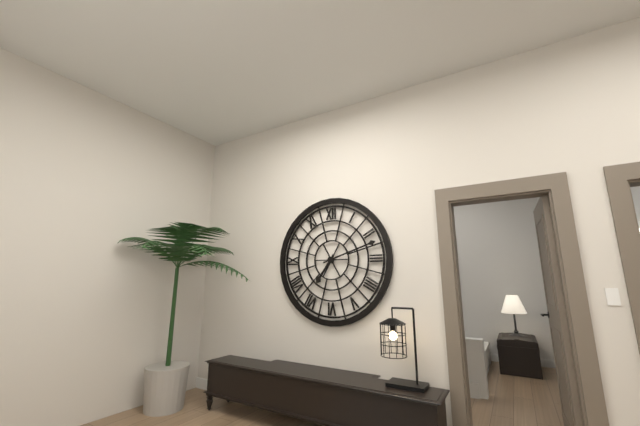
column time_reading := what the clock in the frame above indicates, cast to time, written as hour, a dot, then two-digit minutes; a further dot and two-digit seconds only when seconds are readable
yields 7.12
